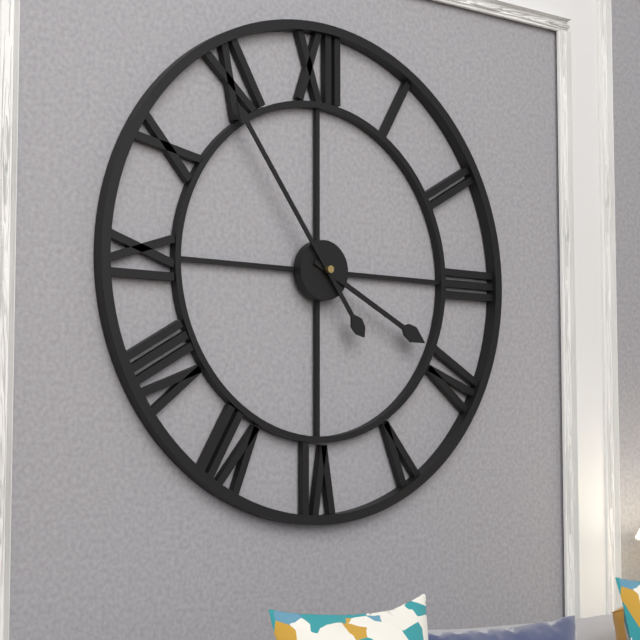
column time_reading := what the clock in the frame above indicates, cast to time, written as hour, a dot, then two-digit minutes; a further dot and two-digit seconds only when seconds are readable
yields 3.54
